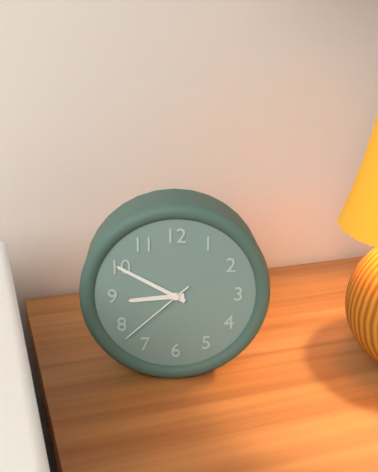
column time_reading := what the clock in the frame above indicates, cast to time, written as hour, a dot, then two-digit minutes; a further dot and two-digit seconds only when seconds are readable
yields 8.50.38
